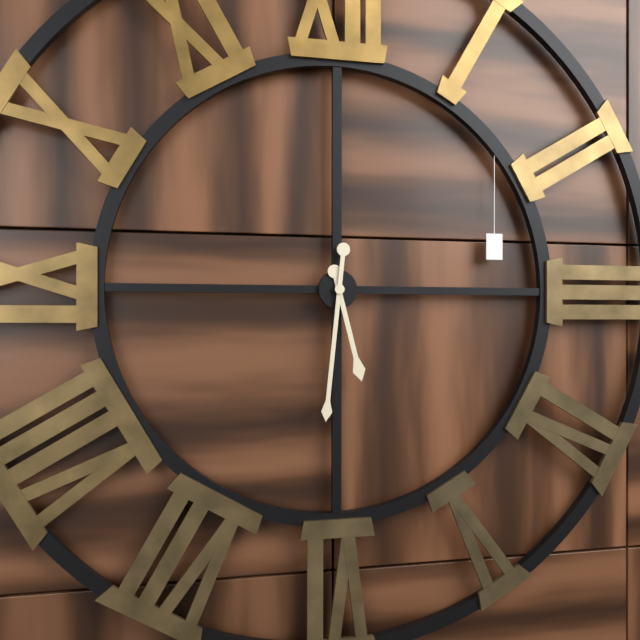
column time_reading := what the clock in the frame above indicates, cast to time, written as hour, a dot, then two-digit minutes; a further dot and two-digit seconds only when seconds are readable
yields 5.31
